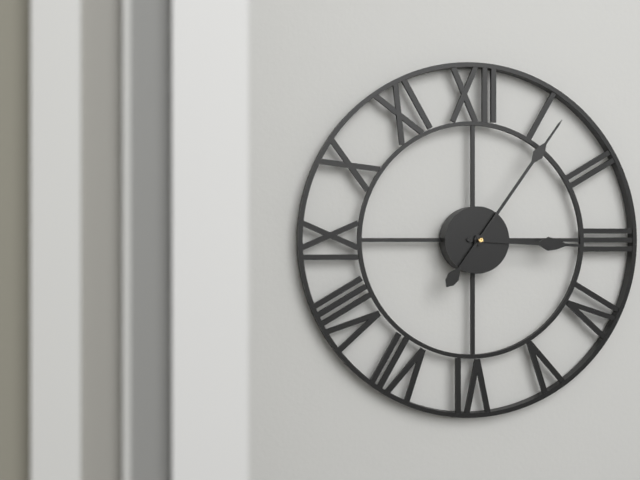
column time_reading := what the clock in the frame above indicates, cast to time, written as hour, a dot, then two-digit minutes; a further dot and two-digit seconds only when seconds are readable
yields 3.06
